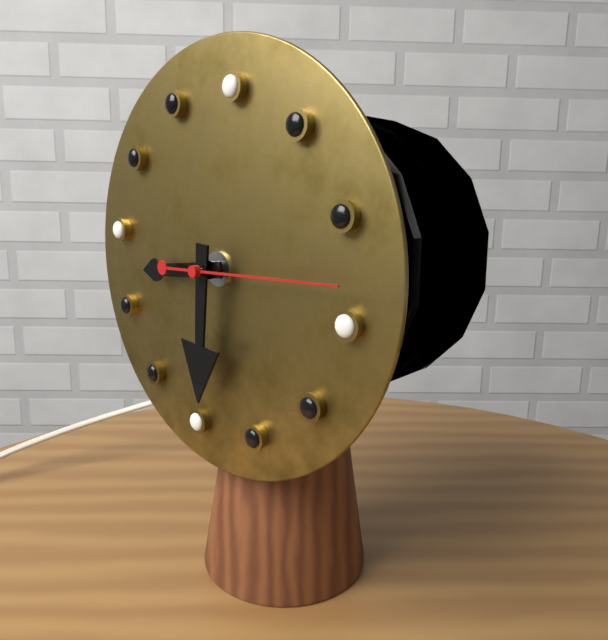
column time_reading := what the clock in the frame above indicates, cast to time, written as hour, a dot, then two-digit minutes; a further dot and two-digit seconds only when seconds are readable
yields 8.29.13
